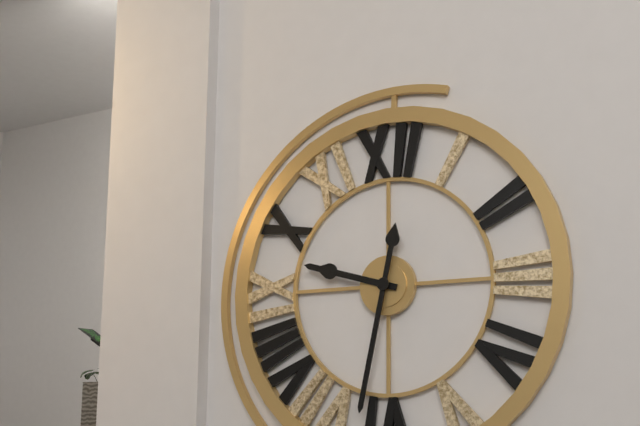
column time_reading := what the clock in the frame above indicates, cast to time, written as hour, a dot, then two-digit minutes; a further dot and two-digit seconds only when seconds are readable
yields 9.32
